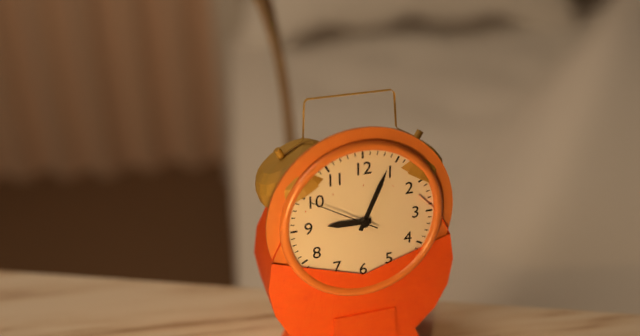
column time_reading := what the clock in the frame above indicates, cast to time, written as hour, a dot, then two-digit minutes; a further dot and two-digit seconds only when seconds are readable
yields 9.04.50
